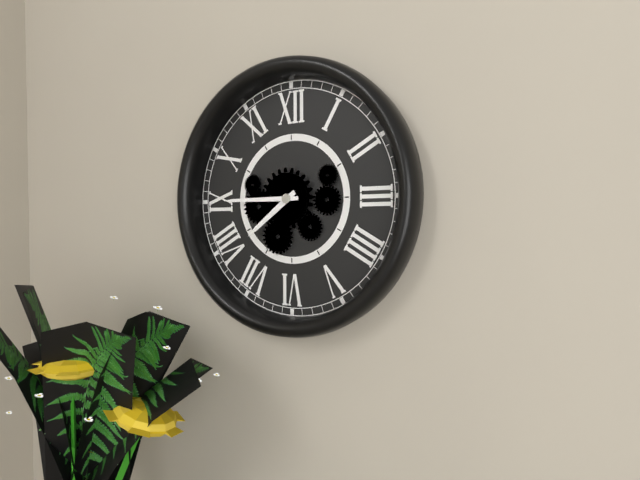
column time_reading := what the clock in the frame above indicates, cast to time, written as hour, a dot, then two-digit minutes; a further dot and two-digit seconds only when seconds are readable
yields 7.45
